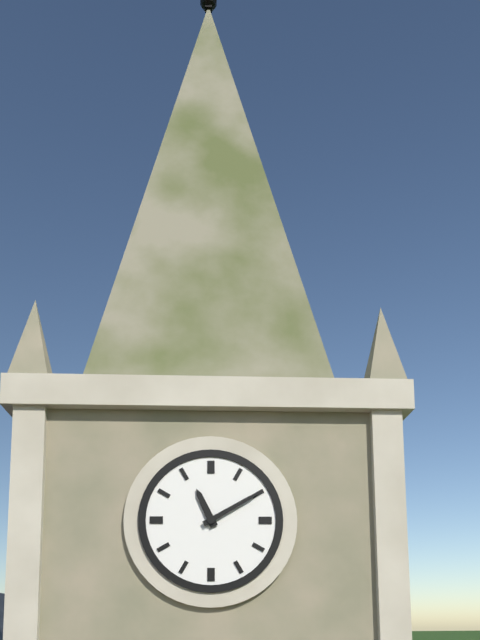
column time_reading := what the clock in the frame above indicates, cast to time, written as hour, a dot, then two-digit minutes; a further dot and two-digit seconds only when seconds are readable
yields 11.10
